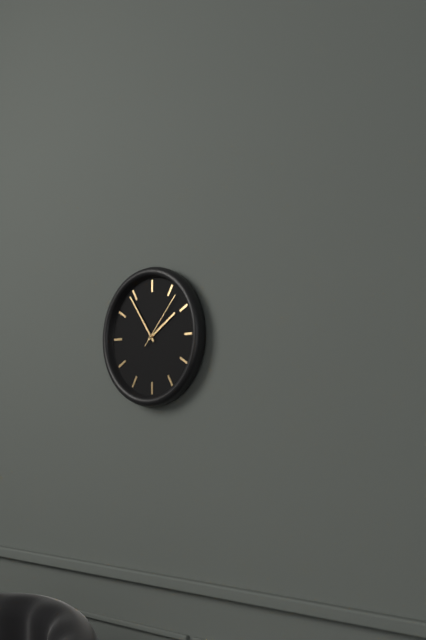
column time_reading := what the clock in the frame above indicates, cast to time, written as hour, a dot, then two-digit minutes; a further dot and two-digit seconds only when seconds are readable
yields 1.54.07
